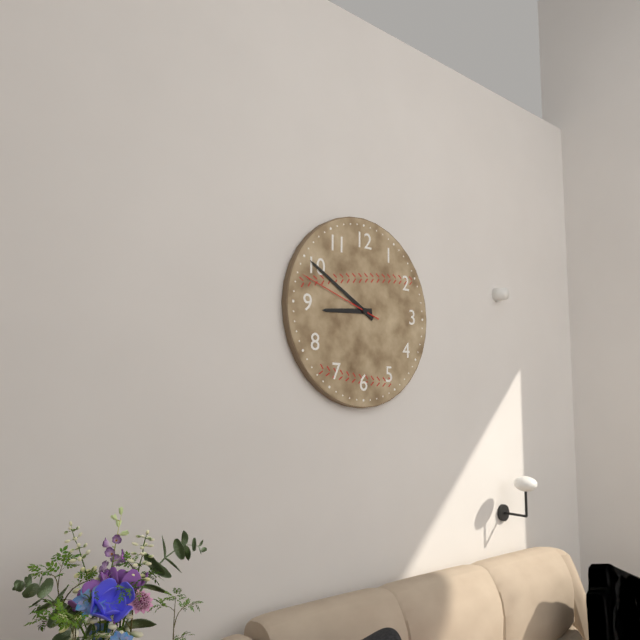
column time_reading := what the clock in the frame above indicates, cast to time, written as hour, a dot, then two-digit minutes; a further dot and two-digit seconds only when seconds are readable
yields 8.50.48
